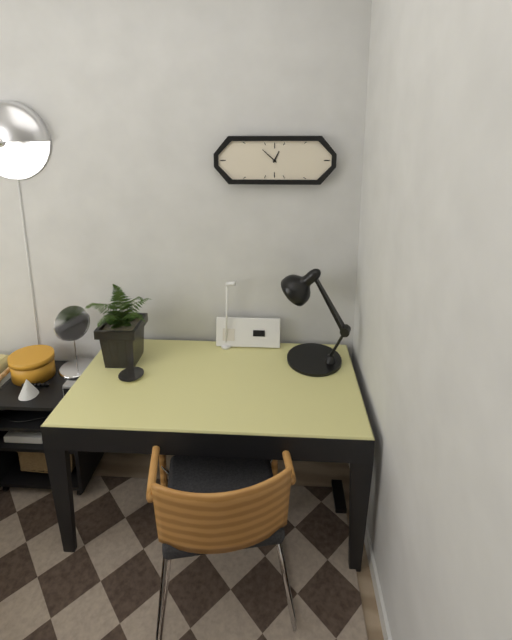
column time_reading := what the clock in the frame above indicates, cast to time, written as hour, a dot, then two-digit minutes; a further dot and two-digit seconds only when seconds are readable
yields 12.52
